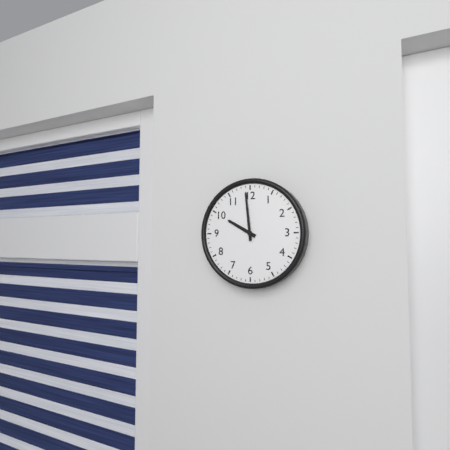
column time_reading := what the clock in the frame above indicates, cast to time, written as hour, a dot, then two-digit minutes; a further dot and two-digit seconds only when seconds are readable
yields 9.59
